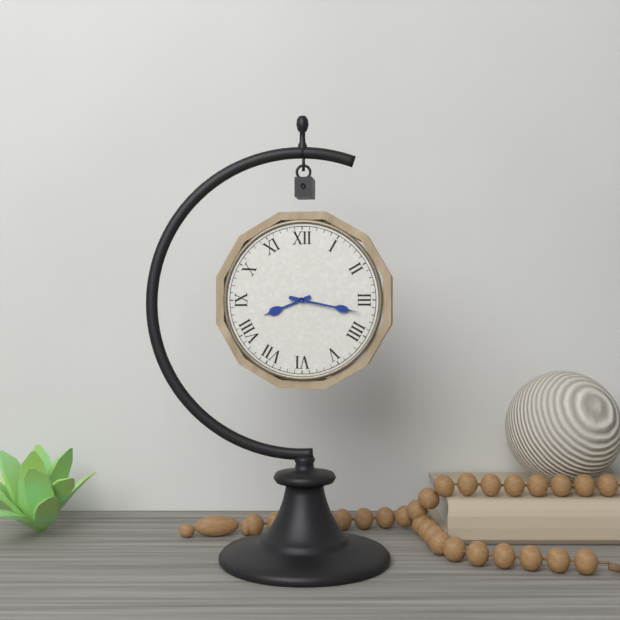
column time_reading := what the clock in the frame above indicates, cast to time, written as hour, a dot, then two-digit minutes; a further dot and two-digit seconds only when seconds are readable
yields 8.17
